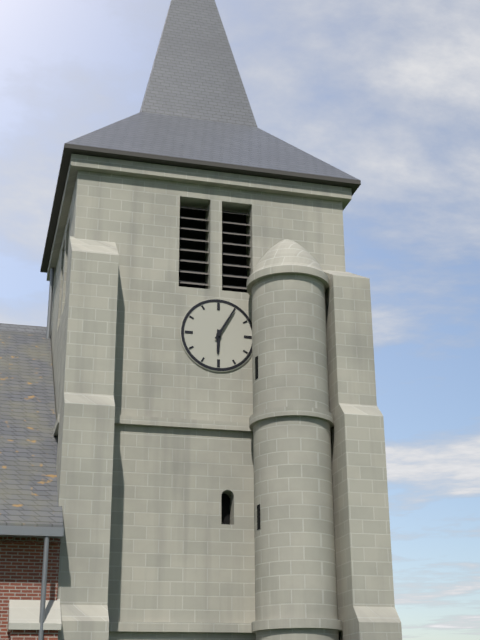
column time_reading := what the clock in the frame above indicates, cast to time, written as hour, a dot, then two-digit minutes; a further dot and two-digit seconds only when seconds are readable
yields 6.05
